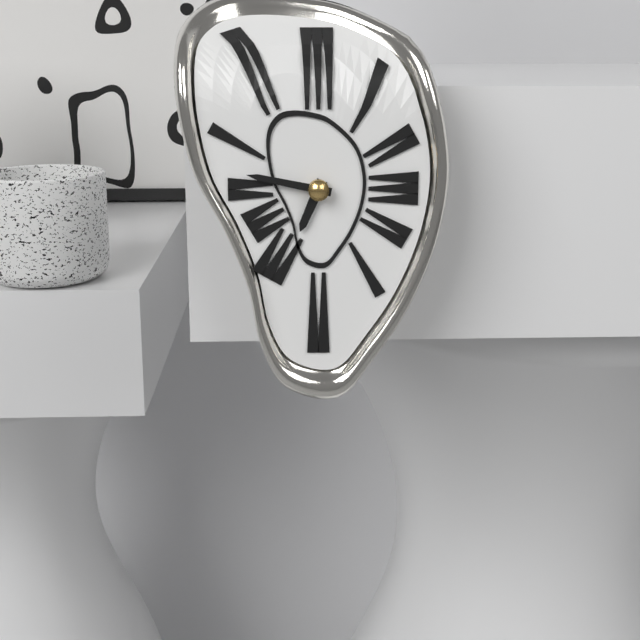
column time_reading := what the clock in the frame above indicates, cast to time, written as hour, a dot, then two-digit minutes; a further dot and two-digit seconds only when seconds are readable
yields 6.47
